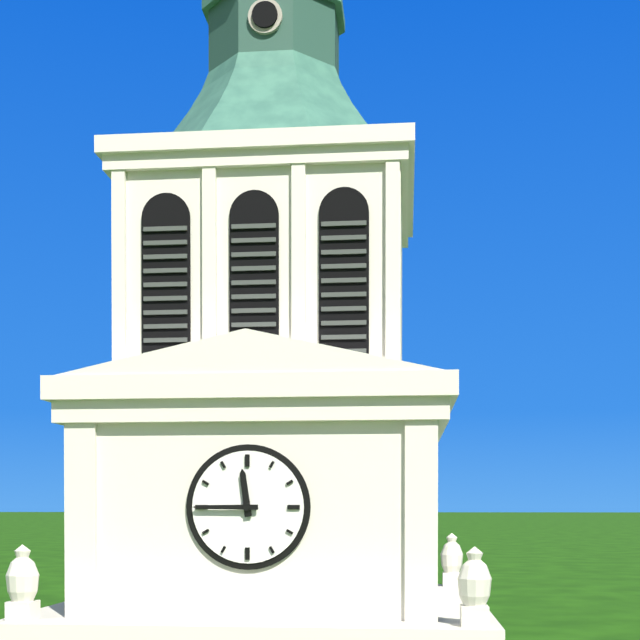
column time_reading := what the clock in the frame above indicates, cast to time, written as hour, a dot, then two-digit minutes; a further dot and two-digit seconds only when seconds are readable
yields 11.45
